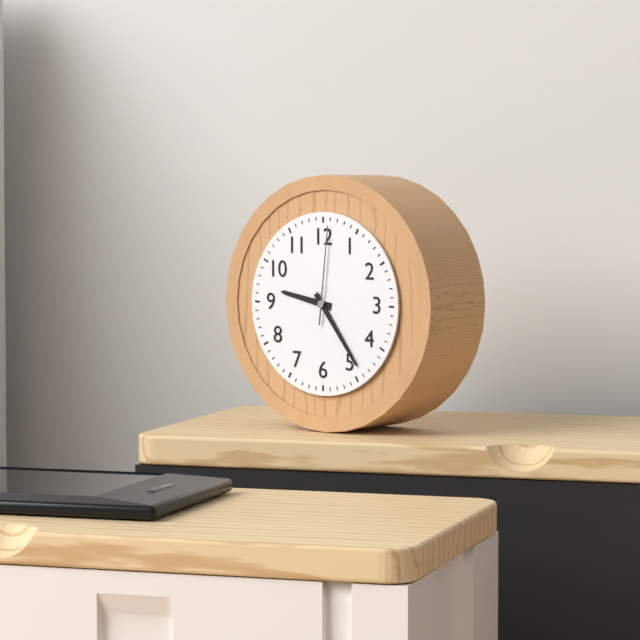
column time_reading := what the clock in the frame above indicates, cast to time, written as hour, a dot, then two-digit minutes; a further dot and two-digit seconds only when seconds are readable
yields 9.24.01
